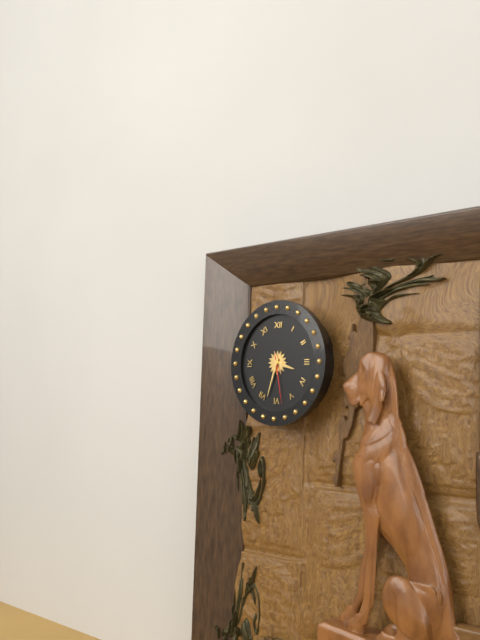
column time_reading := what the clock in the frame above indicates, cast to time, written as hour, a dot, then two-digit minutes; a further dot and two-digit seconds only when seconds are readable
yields 3.33.28
